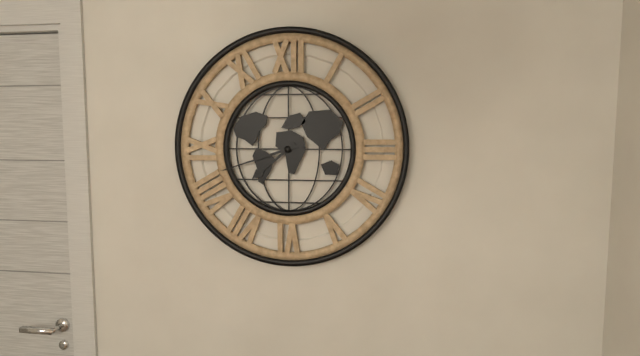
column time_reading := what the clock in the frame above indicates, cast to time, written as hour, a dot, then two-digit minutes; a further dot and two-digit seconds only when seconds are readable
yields 7.42
